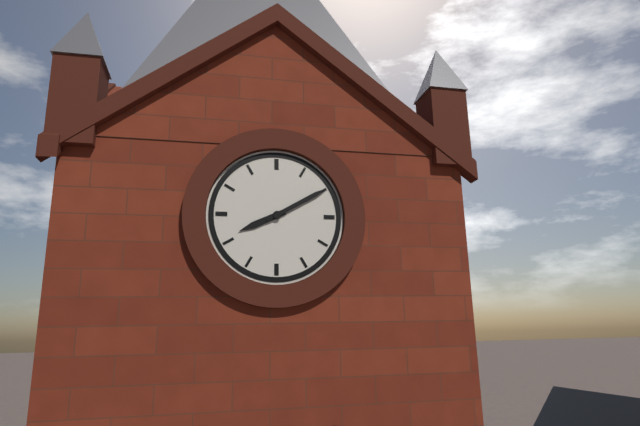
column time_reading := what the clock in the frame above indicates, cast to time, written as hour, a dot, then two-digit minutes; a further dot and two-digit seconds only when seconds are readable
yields 8.10
